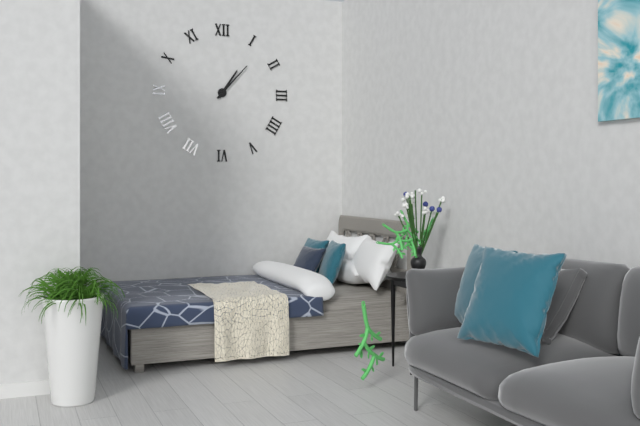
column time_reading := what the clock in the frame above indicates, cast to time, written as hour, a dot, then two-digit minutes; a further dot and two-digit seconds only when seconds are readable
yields 1.07
